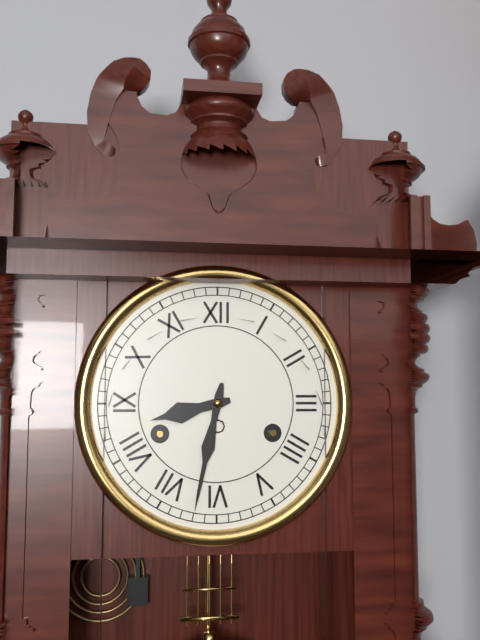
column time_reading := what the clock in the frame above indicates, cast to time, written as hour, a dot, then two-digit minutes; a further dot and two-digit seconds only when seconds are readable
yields 8.32
